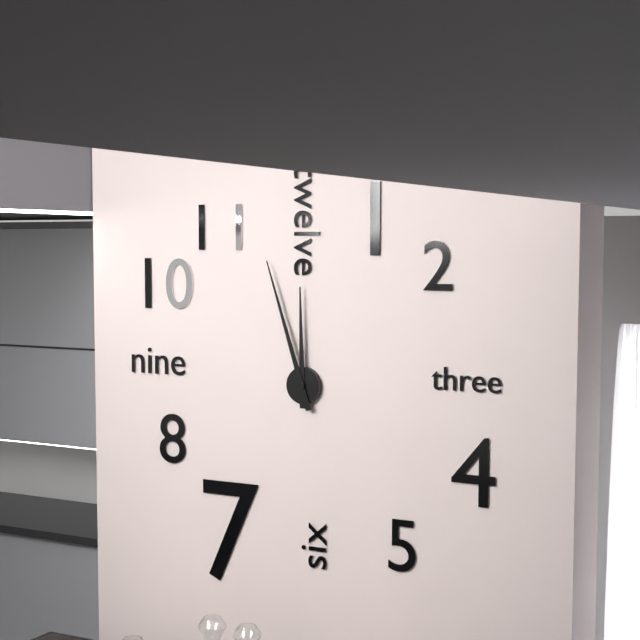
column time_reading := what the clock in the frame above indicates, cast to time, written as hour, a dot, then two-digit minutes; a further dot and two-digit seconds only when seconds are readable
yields 11.57
